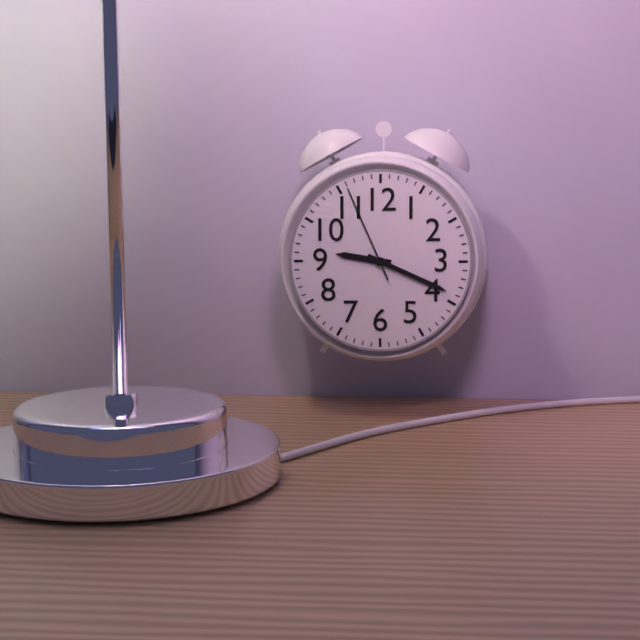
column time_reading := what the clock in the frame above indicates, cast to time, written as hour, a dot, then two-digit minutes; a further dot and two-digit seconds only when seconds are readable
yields 9.19.56
